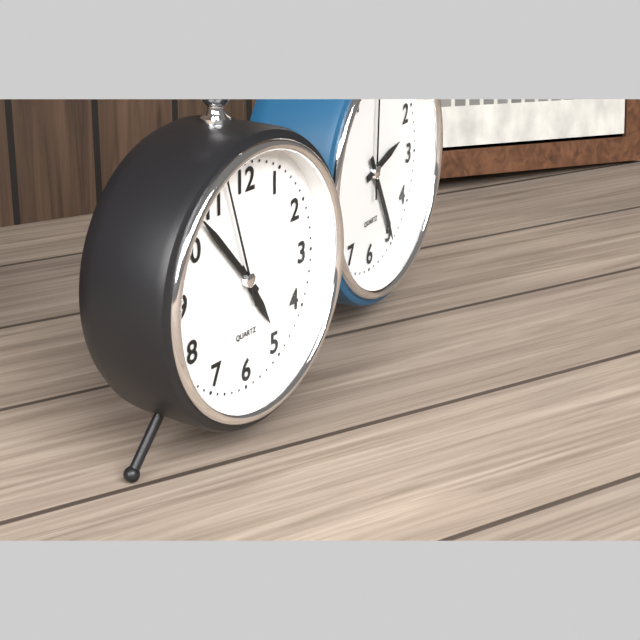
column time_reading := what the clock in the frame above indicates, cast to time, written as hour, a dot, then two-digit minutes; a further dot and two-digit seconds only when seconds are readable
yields 4.53.57
